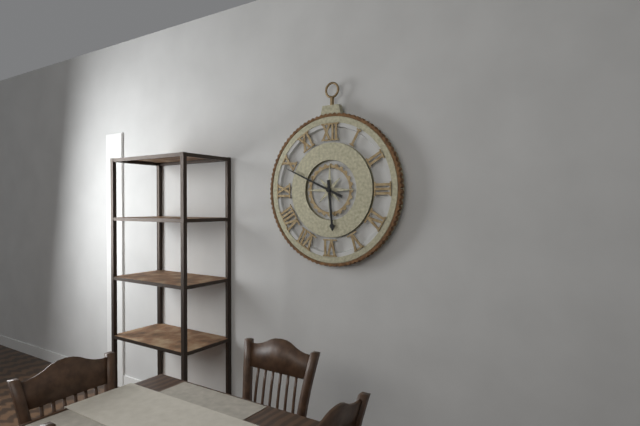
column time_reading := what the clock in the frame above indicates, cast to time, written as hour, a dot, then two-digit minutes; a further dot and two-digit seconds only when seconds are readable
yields 5.49
